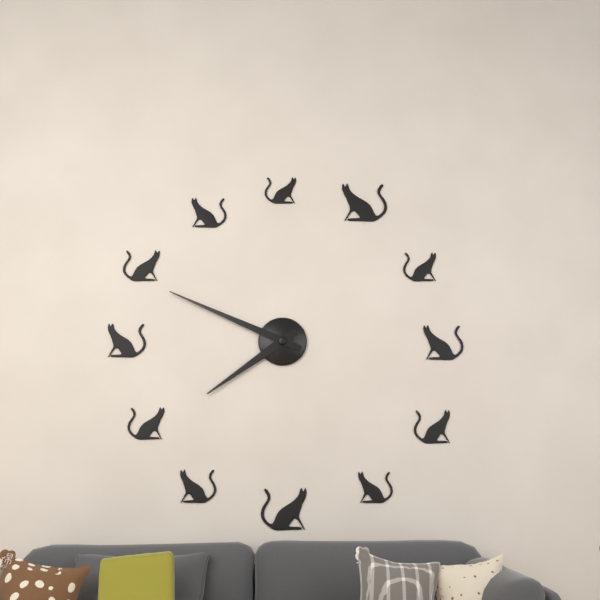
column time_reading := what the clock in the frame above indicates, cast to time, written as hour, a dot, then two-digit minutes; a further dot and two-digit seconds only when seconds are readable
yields 7.49
